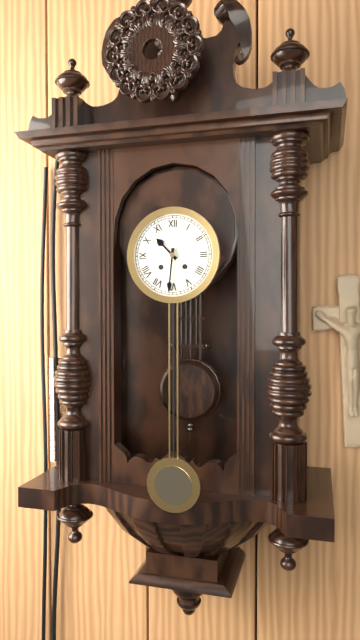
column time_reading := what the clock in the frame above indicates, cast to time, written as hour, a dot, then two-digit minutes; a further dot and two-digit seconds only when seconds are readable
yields 10.31
